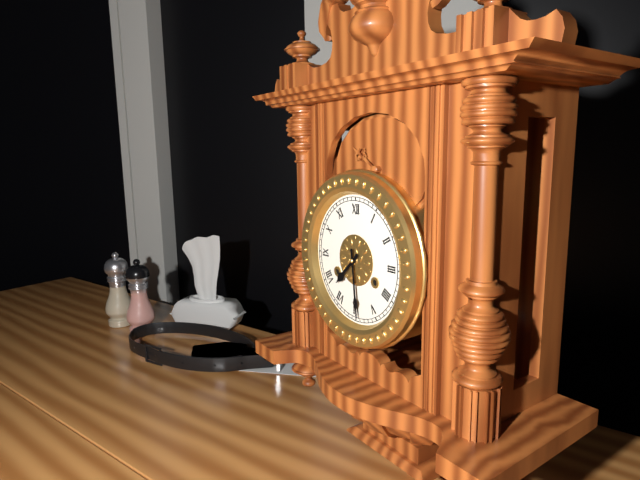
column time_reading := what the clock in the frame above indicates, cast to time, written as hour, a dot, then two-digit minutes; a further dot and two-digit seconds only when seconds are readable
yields 7.29
